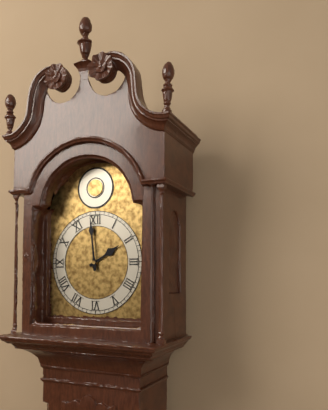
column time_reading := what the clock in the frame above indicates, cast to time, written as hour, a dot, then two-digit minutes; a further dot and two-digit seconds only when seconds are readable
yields 1.59
